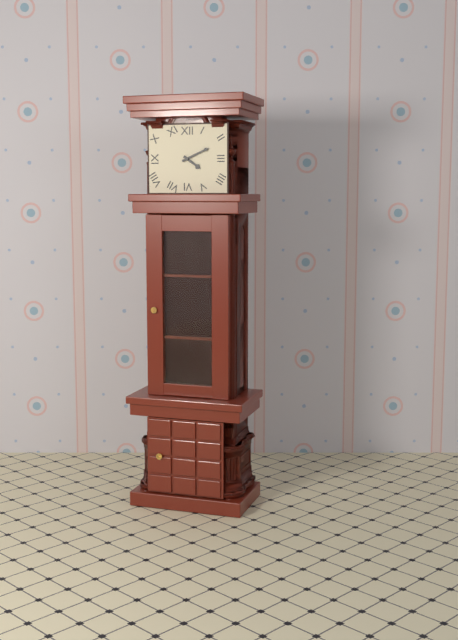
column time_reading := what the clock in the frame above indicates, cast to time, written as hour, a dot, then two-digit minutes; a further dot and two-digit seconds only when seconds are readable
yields 4.11
